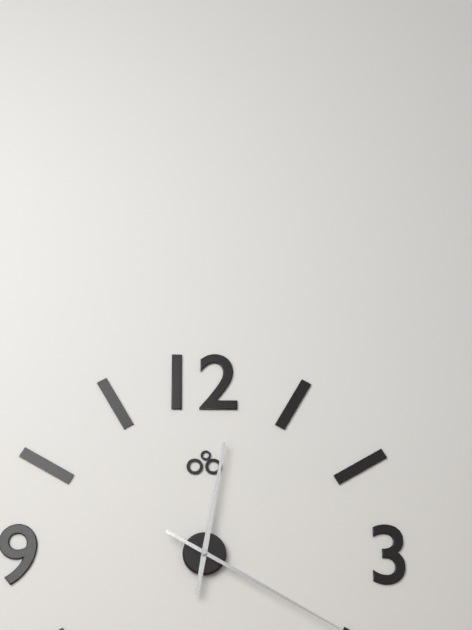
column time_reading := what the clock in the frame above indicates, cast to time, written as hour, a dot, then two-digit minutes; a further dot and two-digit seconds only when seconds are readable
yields 12.20
